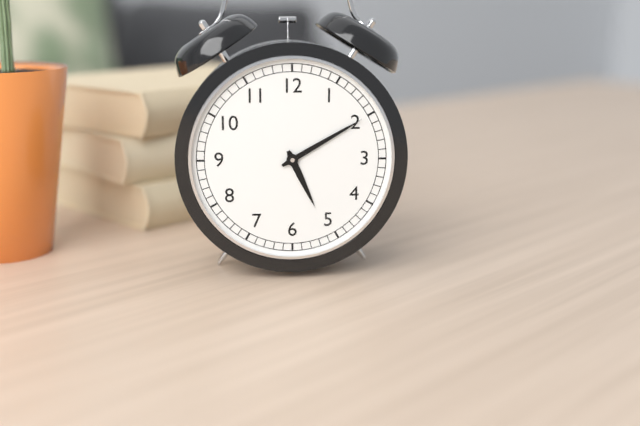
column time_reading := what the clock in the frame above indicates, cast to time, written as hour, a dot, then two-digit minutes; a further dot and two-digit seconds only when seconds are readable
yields 5.10
